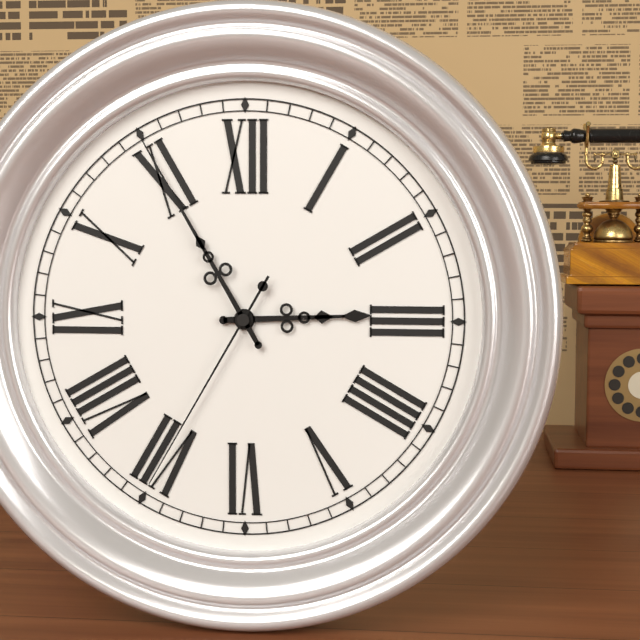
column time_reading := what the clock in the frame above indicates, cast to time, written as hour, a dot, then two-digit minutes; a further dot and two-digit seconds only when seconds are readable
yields 2.55.35
